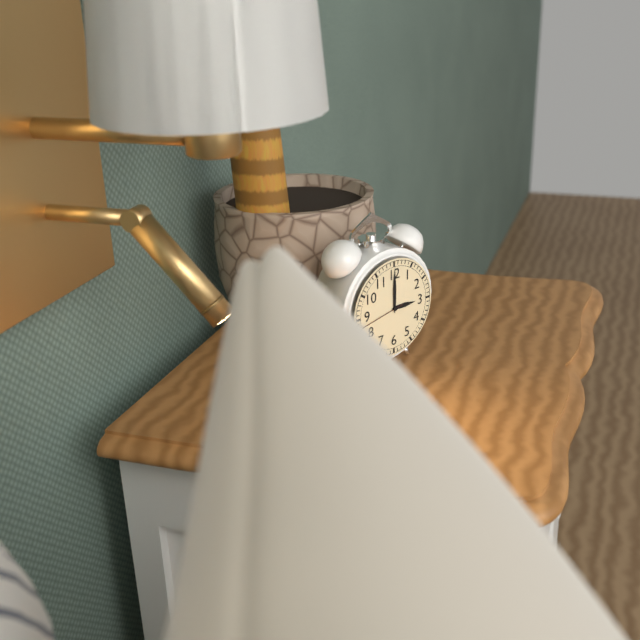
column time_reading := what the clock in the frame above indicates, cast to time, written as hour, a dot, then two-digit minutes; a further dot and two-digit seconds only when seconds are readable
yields 3.00.43
